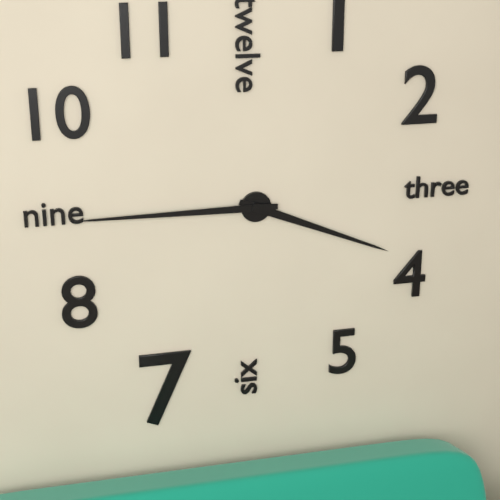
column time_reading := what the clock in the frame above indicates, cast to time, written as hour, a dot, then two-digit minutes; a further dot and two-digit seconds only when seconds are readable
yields 3.45
